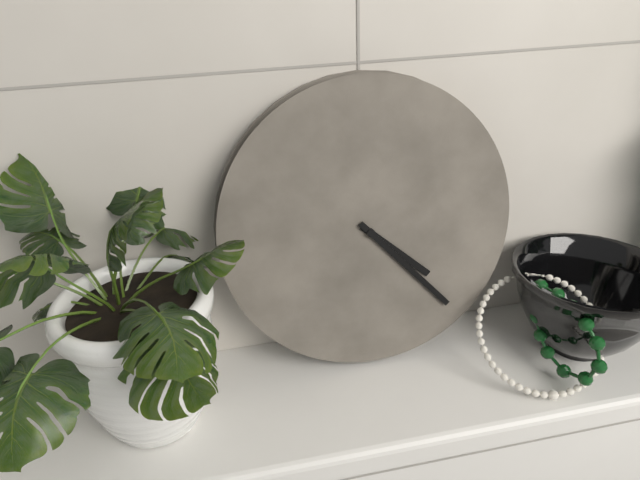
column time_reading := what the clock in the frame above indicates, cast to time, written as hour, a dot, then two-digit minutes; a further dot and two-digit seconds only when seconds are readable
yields 4.23
